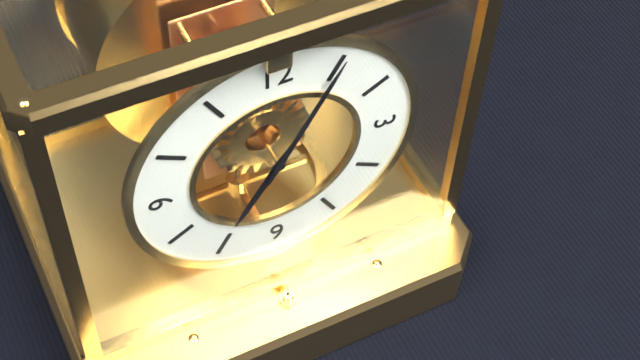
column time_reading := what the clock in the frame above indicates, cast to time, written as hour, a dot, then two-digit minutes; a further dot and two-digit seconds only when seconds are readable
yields 7.05
